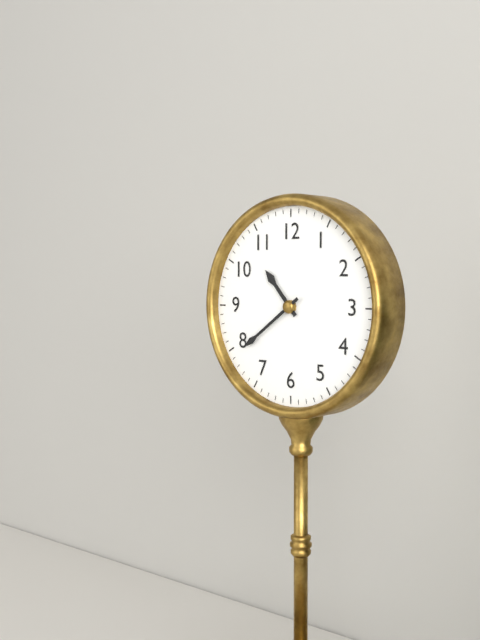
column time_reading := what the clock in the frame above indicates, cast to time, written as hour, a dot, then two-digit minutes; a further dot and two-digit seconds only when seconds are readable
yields 10.39
